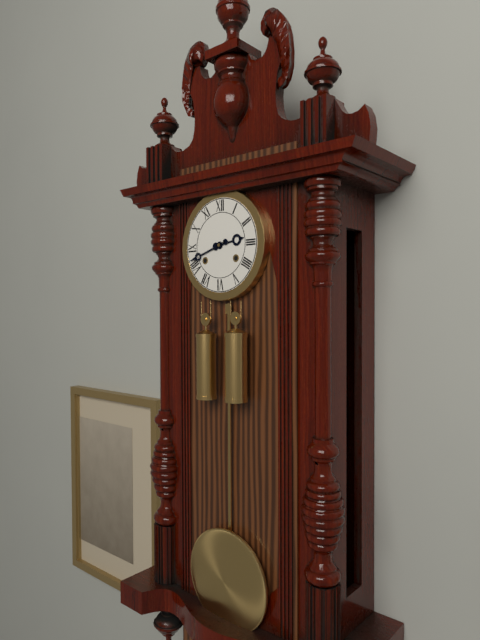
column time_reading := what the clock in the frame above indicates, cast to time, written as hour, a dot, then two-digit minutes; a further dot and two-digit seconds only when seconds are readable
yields 2.42
